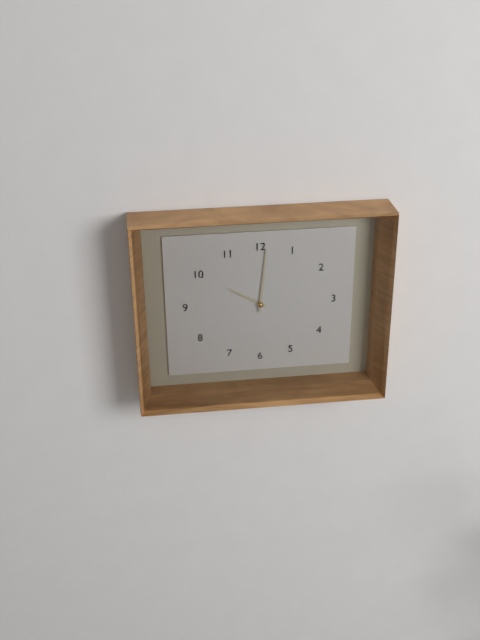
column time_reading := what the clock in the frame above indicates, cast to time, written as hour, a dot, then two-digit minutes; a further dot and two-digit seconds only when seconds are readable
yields 10.01
